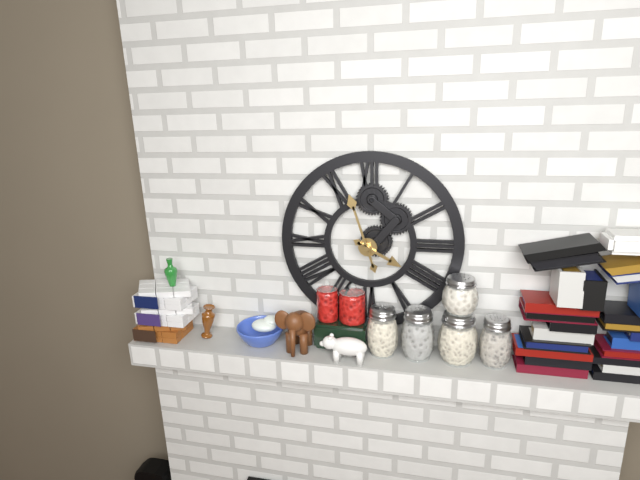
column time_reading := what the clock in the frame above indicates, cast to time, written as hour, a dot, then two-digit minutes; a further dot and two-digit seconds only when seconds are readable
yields 3.57
